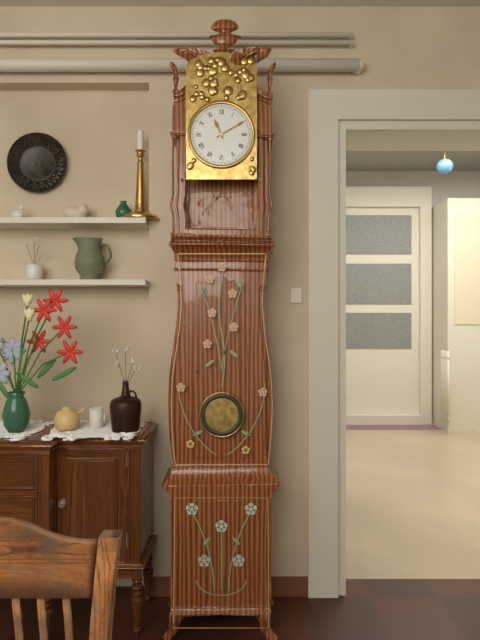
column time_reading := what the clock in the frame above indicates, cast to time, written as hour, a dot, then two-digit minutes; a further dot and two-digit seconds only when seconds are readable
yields 11.10
